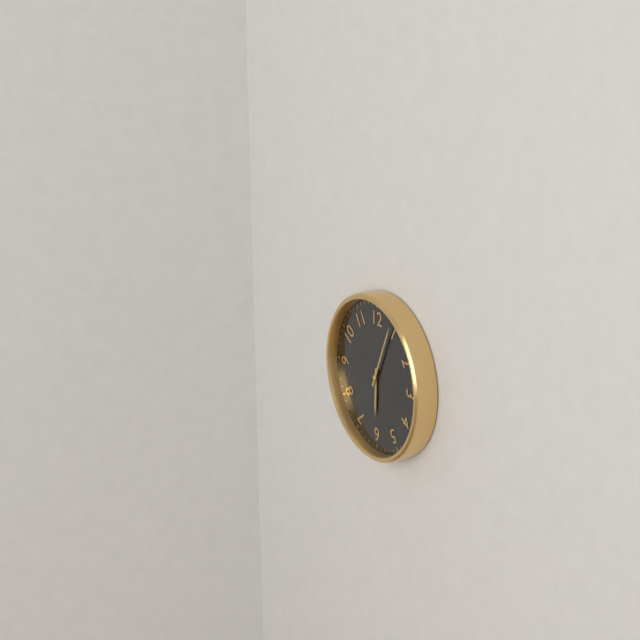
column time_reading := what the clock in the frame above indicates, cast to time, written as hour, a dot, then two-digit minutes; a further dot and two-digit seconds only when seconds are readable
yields 6.04
